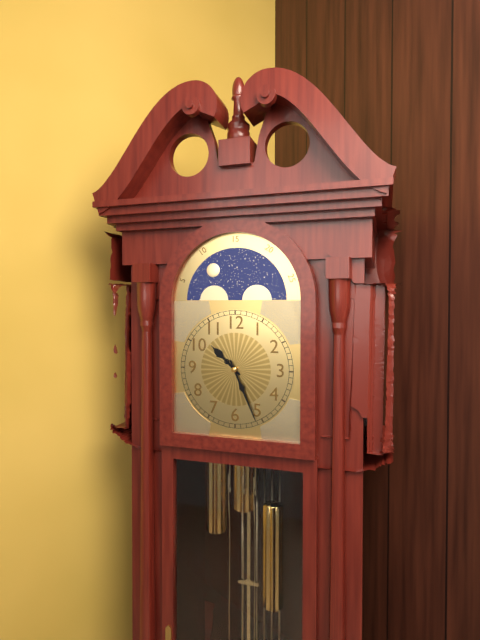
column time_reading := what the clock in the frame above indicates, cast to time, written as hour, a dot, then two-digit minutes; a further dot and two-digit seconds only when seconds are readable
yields 10.26
